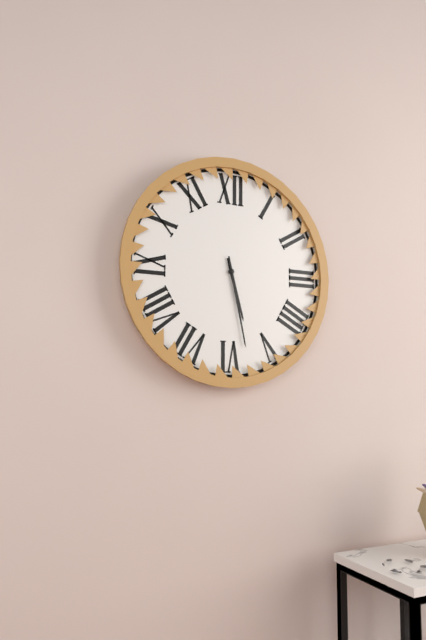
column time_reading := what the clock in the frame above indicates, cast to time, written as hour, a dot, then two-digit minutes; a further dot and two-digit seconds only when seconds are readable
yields 5.28
